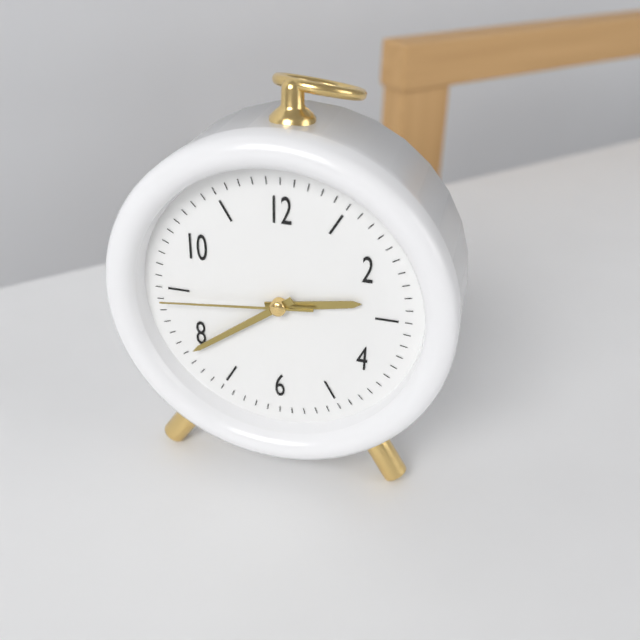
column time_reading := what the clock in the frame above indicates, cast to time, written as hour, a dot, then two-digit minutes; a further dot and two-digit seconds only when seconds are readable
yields 2.39.44
